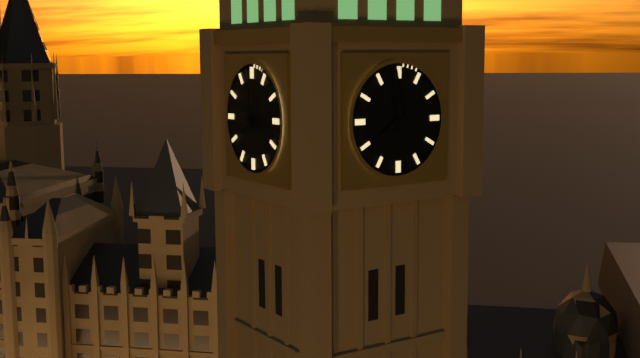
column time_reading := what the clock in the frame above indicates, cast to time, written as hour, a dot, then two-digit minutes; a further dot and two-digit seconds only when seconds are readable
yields 7.59
